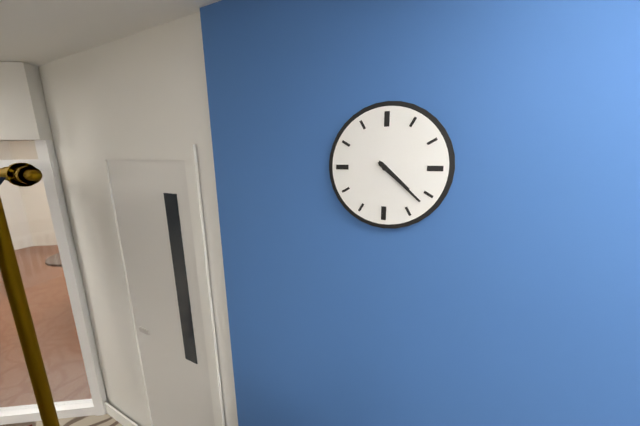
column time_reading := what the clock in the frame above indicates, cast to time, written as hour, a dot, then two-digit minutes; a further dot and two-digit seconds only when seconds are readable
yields 4.22
